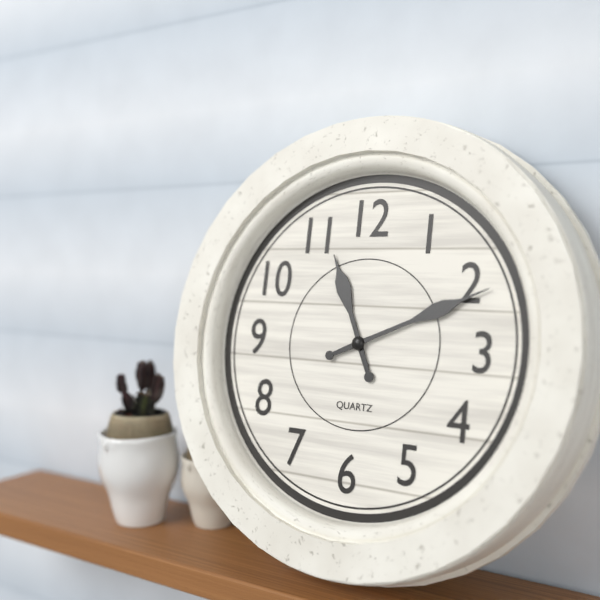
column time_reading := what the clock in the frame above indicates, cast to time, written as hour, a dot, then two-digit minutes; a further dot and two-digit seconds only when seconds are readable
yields 11.11
